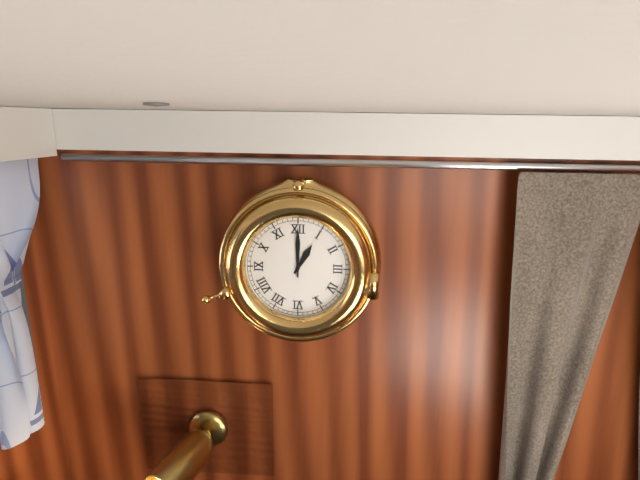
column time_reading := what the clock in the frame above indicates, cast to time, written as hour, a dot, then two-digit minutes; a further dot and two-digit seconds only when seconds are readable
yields 1.00
